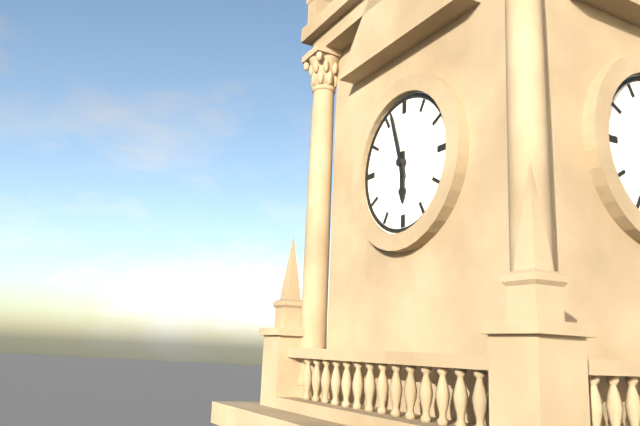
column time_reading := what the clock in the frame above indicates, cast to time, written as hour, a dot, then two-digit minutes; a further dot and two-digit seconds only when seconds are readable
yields 5.57
